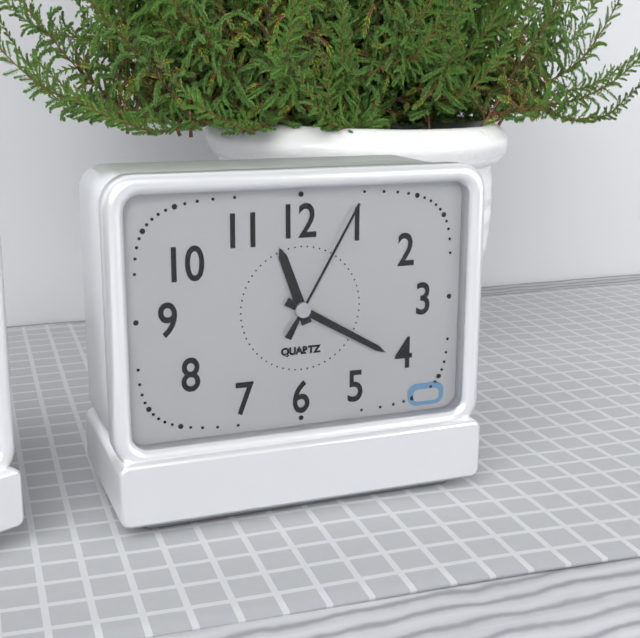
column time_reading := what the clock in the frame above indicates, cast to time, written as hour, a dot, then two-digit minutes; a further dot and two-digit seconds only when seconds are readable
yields 11.20.05
